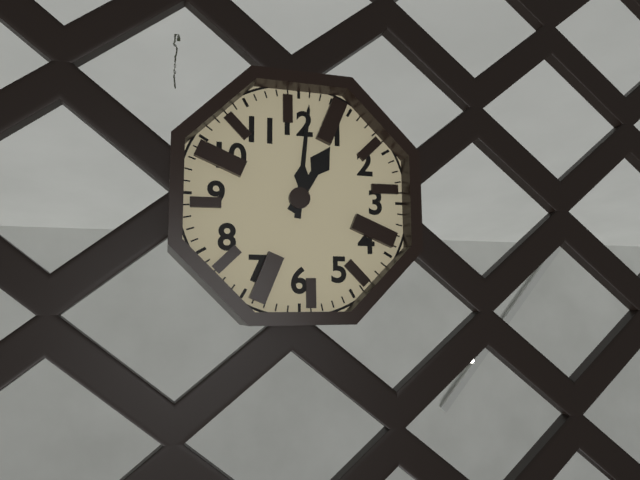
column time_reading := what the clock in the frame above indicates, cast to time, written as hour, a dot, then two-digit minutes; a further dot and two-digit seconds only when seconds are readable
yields 1.01
